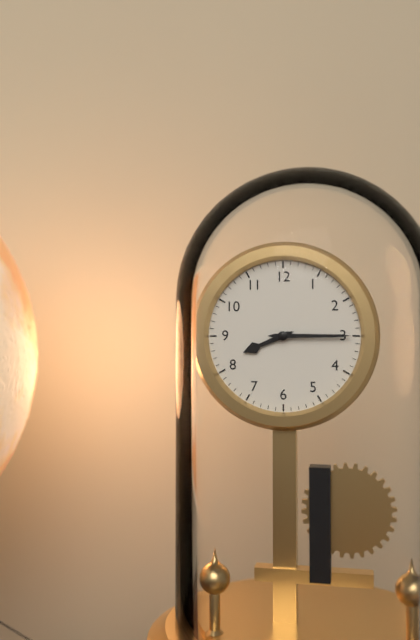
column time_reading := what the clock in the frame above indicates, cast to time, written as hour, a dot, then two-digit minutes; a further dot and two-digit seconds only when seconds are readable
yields 8.15
